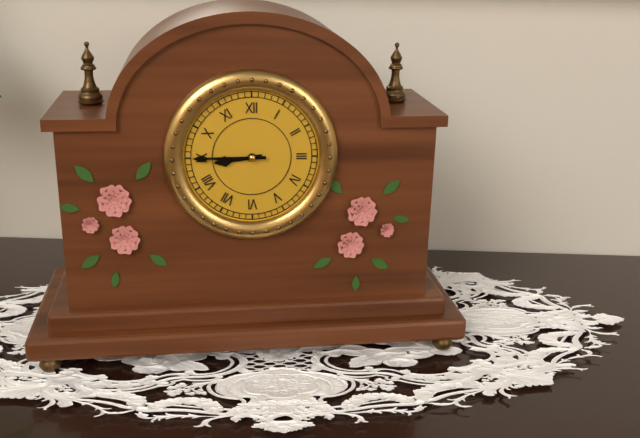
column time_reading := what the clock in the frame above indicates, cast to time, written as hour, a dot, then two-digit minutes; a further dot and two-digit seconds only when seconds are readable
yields 8.45
